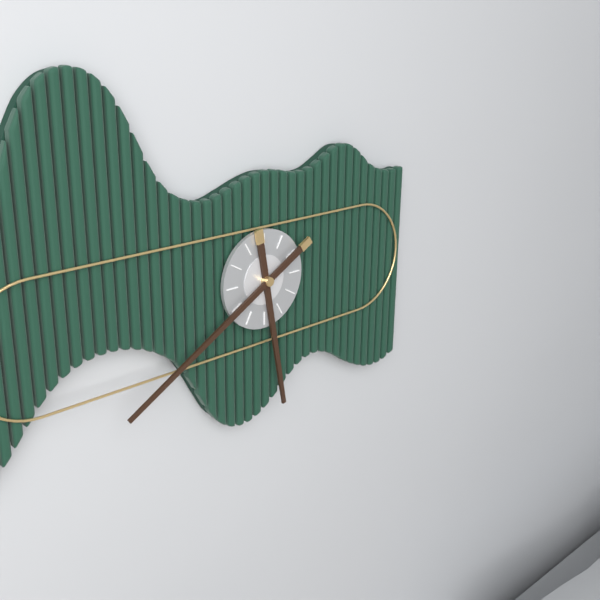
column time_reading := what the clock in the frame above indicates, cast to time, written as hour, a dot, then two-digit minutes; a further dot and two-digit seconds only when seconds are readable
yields 5.40
